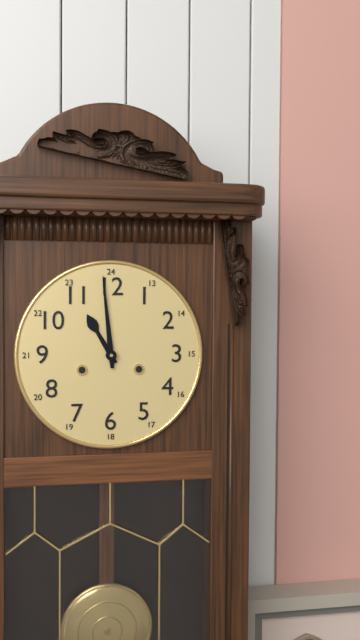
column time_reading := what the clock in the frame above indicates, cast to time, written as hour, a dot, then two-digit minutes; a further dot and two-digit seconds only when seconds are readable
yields 10.59
